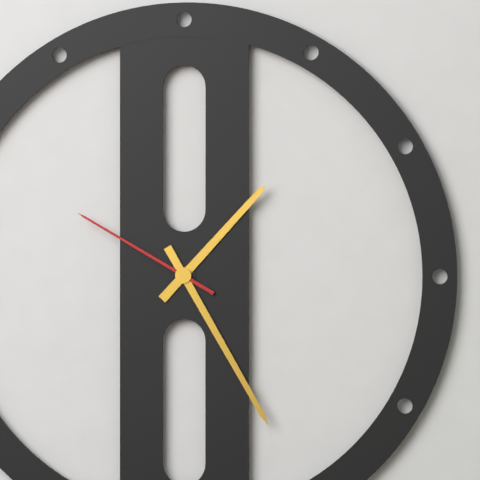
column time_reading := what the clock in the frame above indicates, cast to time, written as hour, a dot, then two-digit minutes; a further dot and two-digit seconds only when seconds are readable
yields 1.25.50
